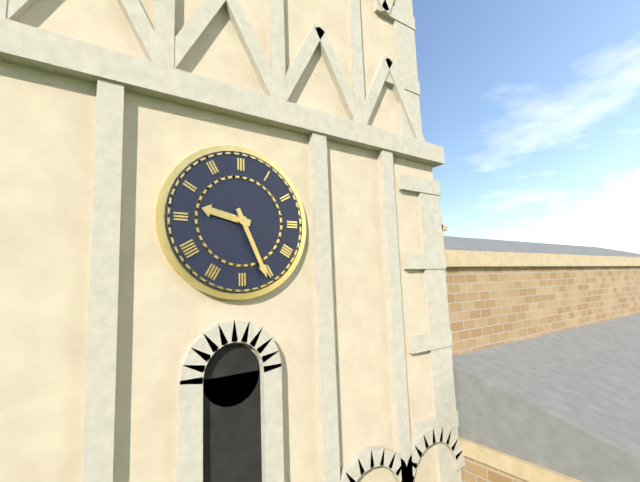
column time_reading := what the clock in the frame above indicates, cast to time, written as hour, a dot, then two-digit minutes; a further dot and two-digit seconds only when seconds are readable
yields 9.26
